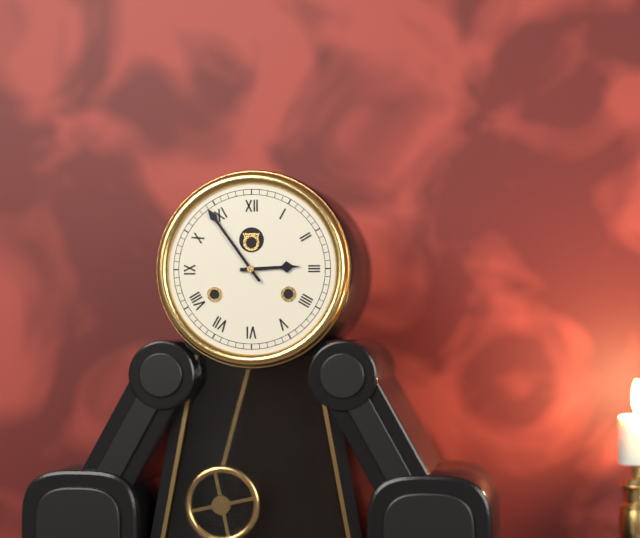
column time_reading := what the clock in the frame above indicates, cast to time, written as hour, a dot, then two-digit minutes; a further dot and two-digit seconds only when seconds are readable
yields 2.54
